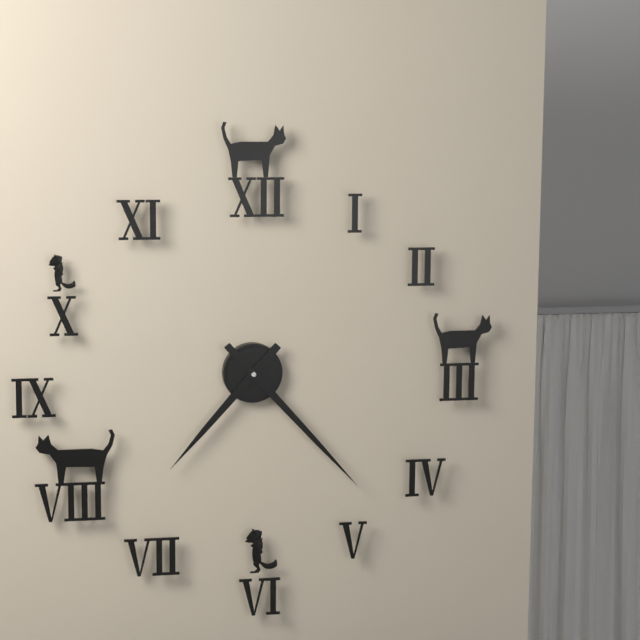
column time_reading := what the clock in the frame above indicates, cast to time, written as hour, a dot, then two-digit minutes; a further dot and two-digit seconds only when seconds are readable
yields 7.23
